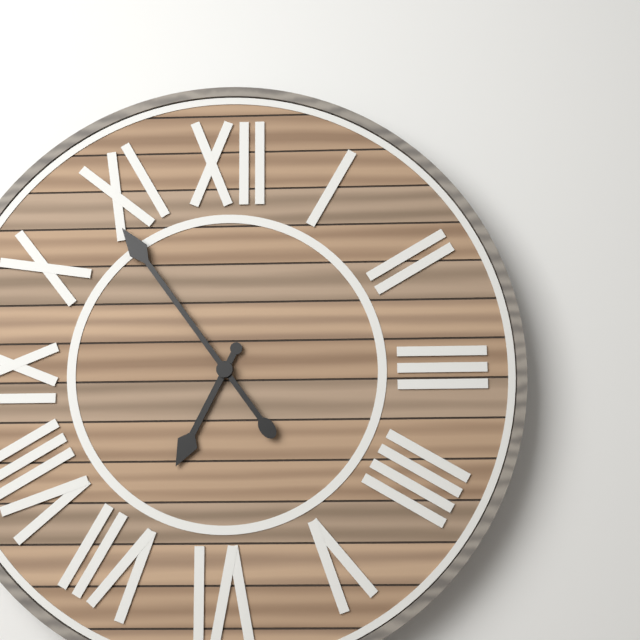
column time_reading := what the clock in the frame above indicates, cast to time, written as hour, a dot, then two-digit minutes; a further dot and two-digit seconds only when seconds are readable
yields 6.54
